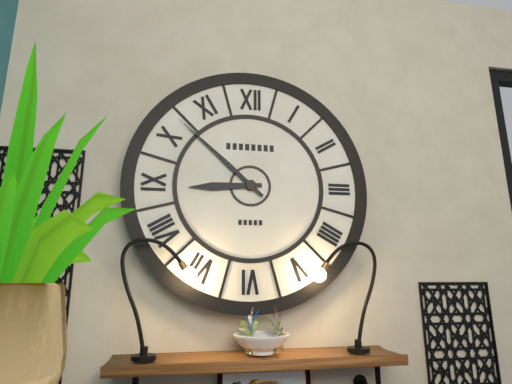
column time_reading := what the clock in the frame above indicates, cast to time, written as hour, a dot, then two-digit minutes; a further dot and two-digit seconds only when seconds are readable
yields 8.52
